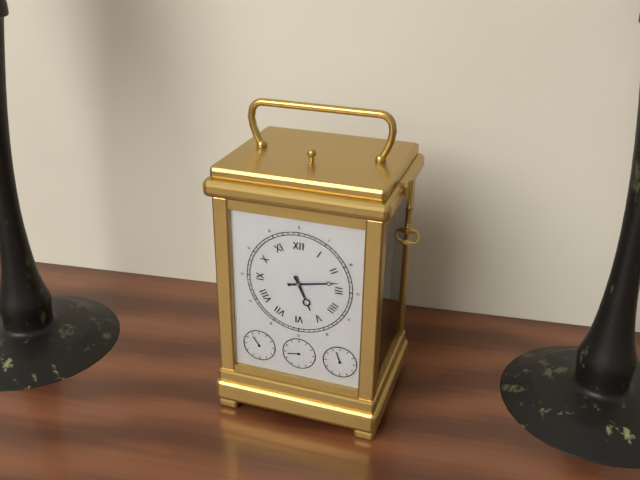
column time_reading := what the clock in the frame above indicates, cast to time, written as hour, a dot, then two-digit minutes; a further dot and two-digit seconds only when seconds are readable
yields 5.13
